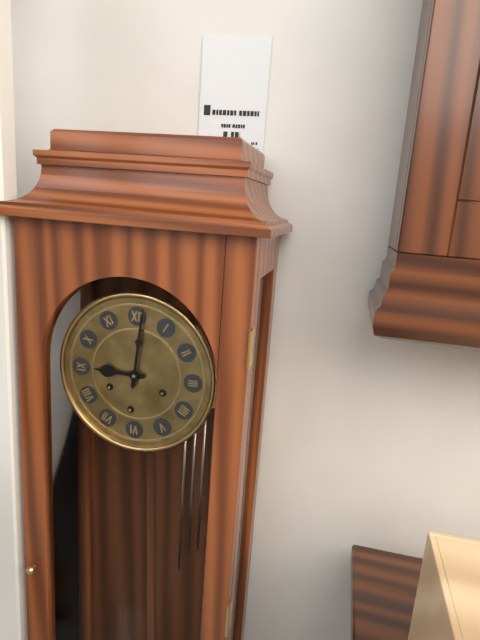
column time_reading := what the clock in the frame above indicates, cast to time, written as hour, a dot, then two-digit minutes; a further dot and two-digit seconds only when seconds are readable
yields 9.01
